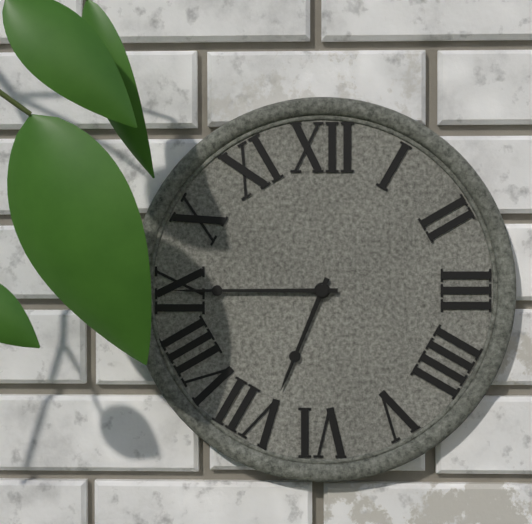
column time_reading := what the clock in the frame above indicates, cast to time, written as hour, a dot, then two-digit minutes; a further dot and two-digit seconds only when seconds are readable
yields 6.45
